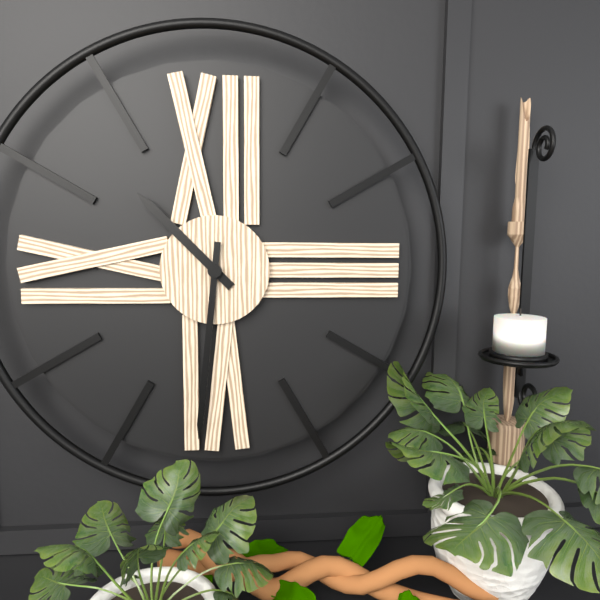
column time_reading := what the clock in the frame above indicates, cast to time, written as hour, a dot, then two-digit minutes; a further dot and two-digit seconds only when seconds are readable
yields 10.31
